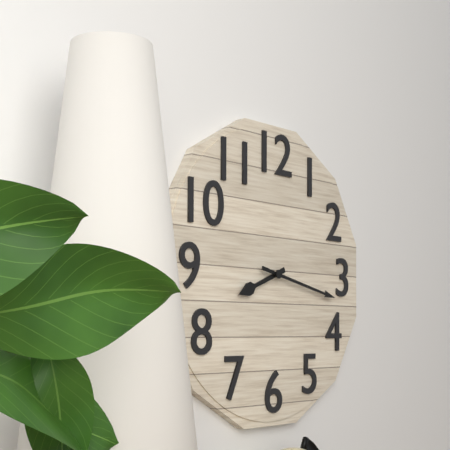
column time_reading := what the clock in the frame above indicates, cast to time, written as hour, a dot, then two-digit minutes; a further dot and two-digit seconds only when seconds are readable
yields 8.17
